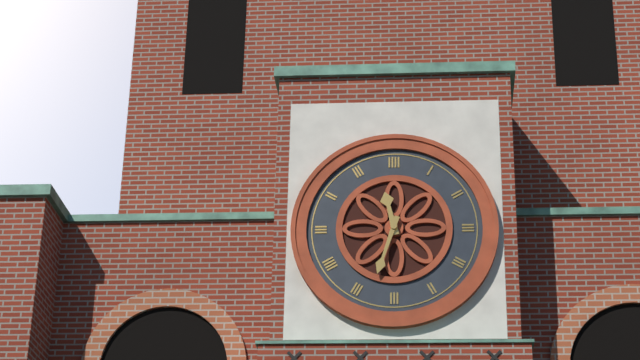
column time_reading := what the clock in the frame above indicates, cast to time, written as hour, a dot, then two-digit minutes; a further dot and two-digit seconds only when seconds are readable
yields 11.33
